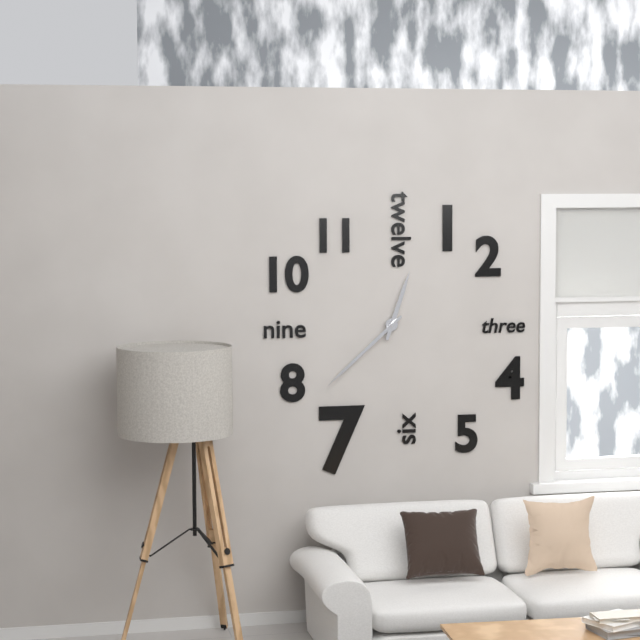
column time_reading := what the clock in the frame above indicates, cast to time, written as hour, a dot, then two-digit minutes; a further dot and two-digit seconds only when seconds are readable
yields 12.38
